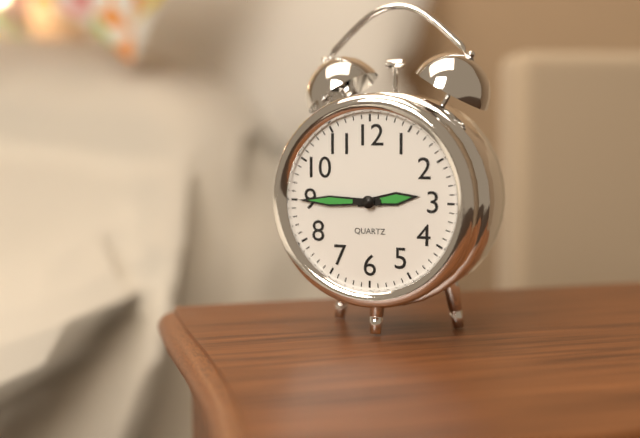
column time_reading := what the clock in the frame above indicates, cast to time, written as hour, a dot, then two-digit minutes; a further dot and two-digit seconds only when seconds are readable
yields 2.45
